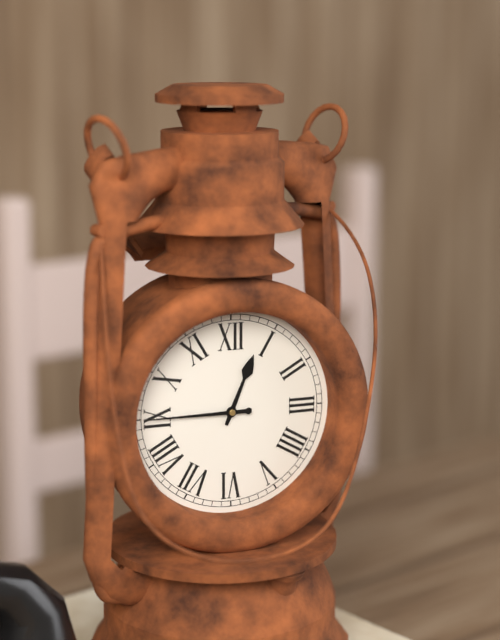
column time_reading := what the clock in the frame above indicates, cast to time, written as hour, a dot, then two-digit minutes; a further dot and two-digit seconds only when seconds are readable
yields 12.45
